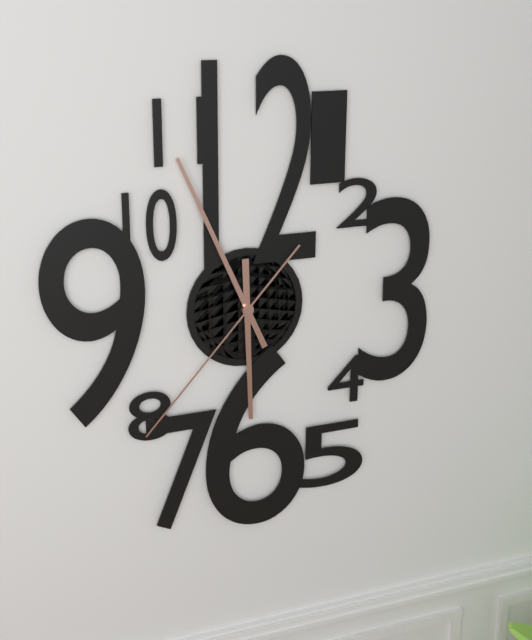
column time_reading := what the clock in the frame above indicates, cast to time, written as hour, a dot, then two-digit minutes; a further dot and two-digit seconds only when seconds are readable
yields 5.56.37
